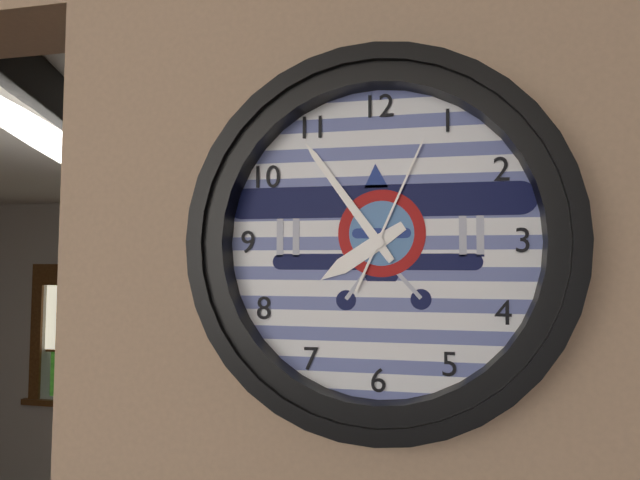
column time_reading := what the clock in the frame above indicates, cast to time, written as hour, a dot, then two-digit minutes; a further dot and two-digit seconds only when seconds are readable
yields 7.54.04
